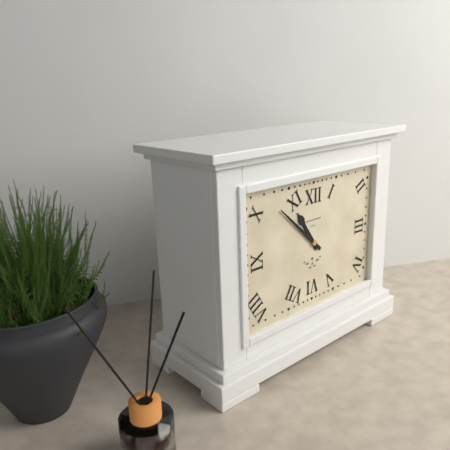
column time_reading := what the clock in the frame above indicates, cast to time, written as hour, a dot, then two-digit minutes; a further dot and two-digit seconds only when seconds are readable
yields 10.52
